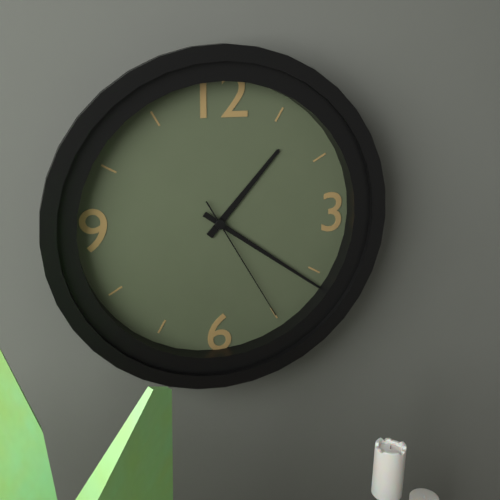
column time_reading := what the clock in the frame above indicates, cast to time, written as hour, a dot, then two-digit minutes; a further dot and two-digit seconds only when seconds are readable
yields 1.21.25
